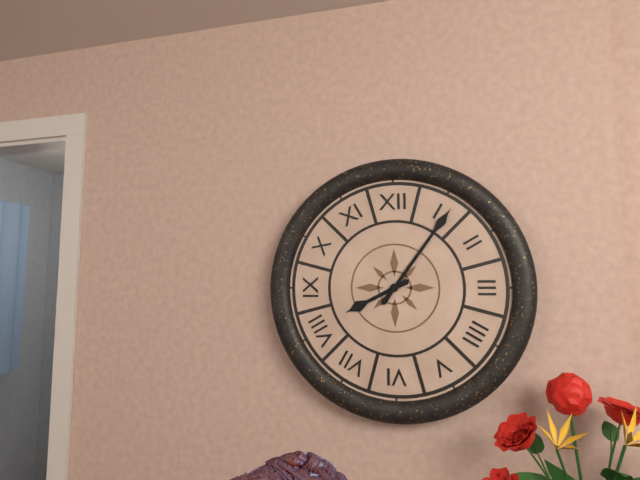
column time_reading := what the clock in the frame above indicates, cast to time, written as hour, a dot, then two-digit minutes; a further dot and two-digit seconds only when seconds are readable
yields 8.06
